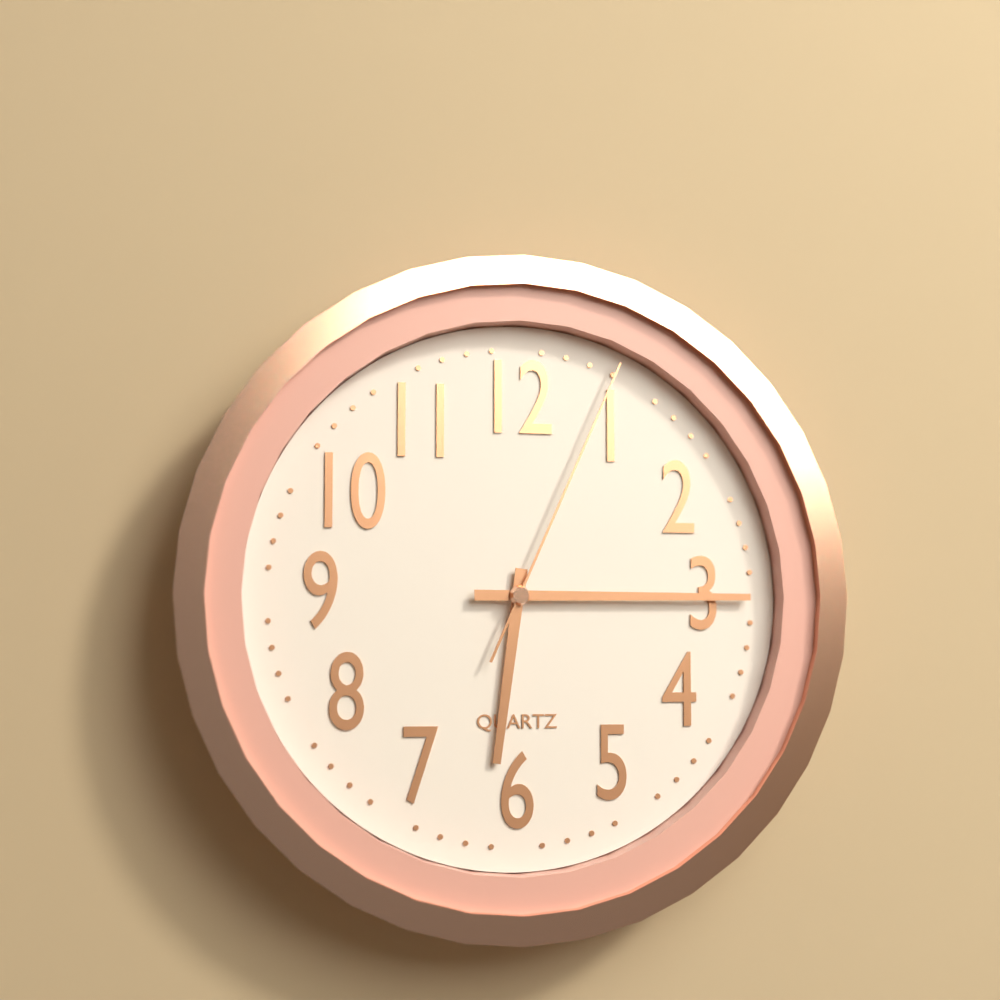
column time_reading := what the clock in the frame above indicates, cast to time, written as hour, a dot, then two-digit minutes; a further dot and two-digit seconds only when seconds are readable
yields 6.15.04
